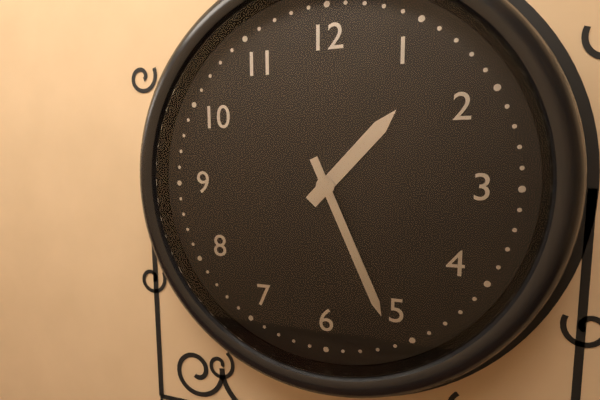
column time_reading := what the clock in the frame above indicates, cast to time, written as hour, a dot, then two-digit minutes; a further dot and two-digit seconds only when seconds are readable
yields 1.26
